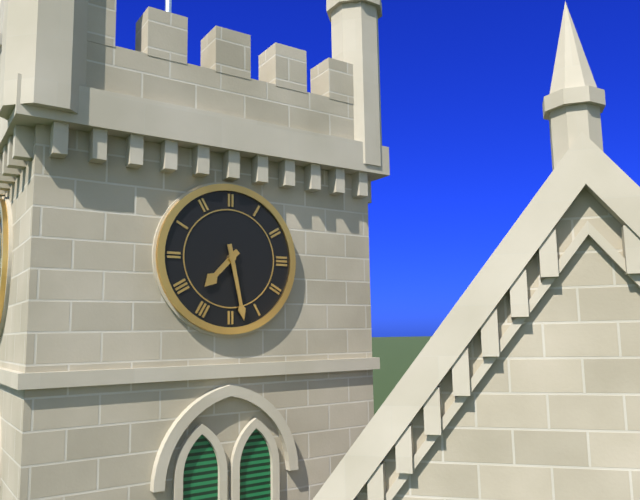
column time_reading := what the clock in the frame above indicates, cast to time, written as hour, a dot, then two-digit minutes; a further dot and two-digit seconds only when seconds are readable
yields 7.28
